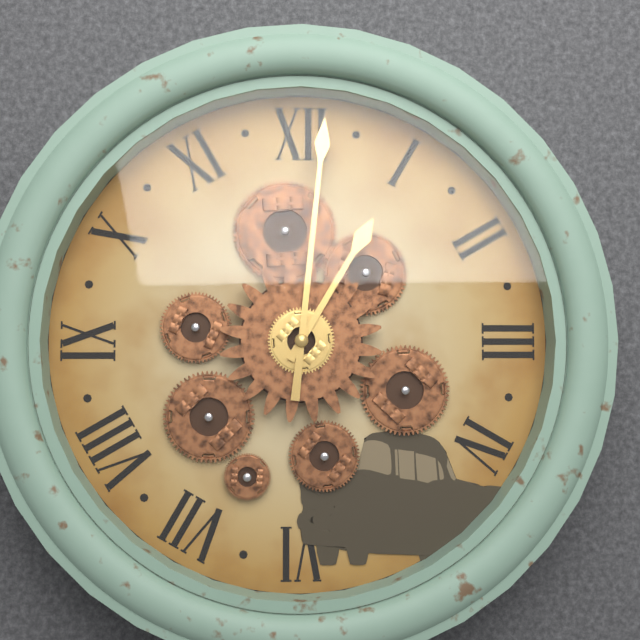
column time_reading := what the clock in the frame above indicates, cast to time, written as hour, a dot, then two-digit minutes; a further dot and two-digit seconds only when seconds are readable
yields 1.01
